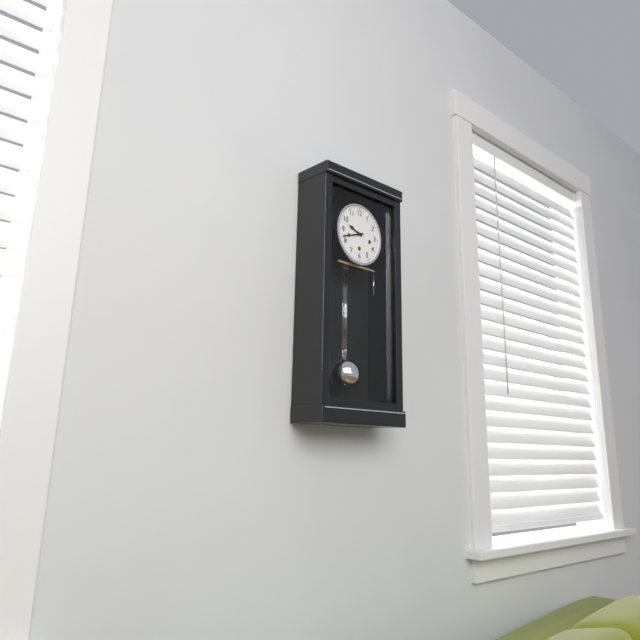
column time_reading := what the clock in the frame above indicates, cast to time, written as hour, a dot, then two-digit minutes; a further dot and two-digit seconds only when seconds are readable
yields 9.42
